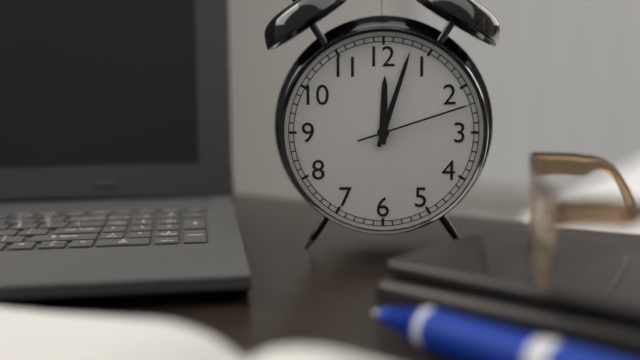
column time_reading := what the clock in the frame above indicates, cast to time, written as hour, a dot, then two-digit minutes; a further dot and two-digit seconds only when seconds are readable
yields 12.03.12
